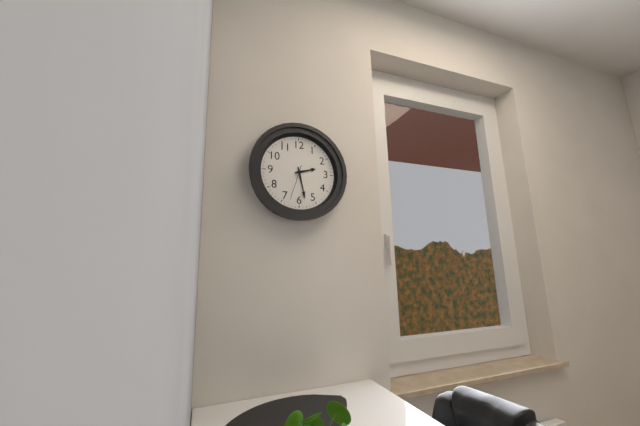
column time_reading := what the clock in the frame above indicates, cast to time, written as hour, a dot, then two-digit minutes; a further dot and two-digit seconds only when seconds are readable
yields 2.28
